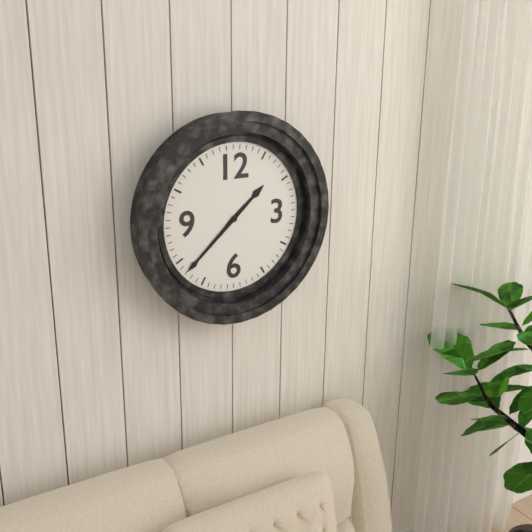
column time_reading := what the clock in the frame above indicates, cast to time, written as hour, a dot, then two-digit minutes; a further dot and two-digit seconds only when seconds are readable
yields 1.38
